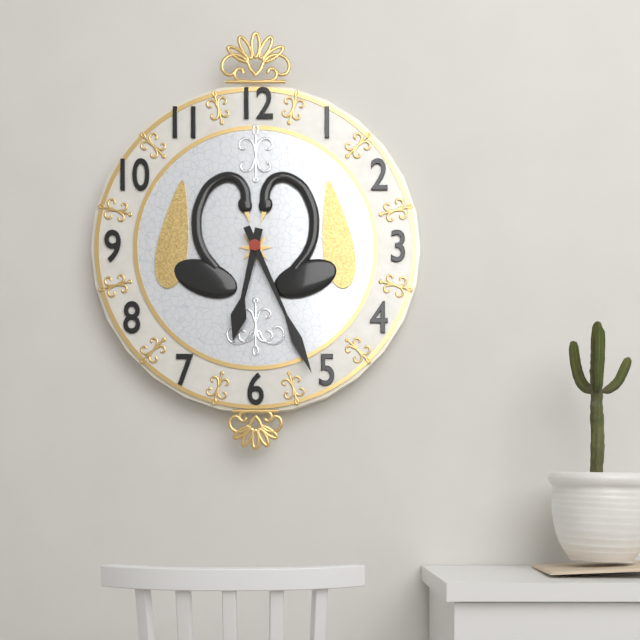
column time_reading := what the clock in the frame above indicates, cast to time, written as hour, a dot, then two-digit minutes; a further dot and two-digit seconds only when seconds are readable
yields 6.26
